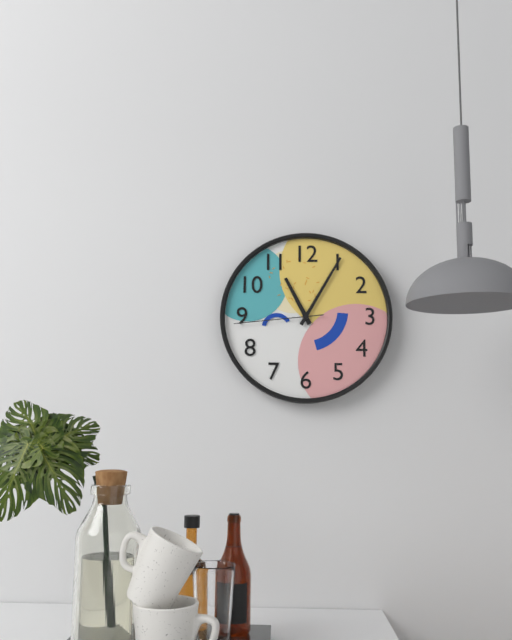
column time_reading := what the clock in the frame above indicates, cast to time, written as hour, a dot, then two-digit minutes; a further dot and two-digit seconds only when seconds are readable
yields 11.05.44
